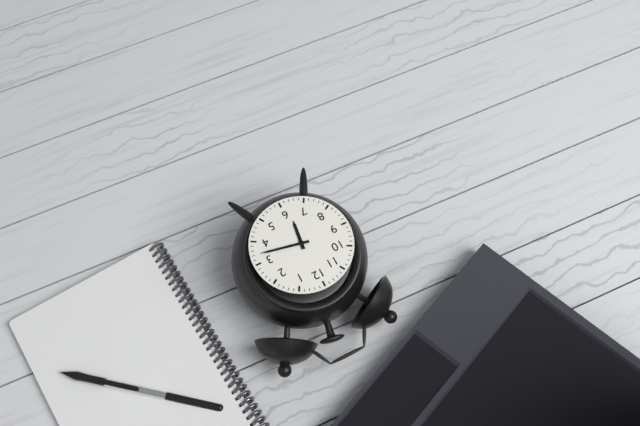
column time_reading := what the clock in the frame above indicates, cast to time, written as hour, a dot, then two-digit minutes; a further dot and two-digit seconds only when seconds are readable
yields 6.17
